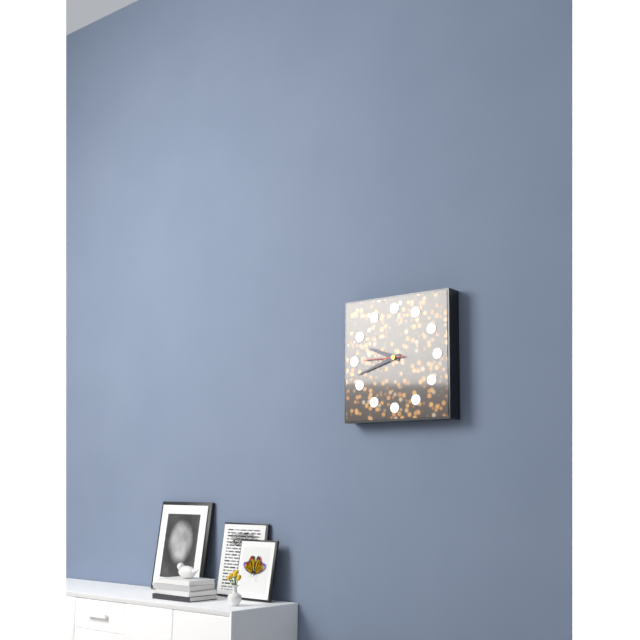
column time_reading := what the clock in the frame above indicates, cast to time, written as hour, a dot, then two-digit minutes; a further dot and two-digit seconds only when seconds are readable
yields 9.42
